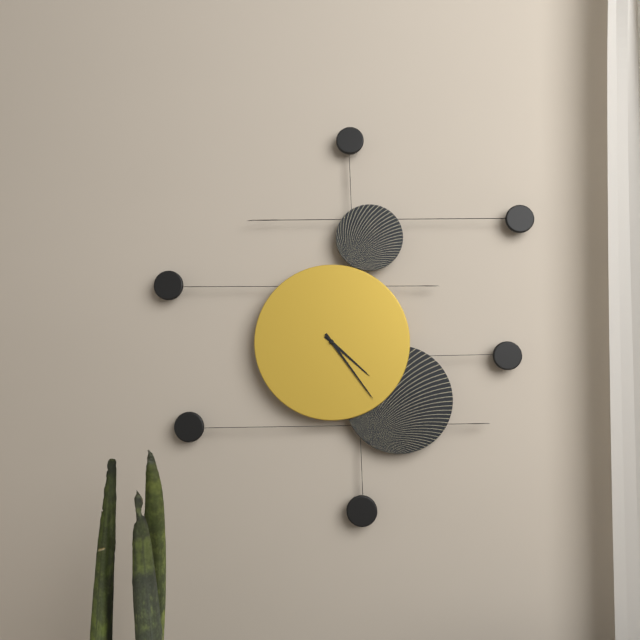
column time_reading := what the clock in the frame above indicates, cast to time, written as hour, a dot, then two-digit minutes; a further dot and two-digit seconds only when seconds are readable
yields 4.24
